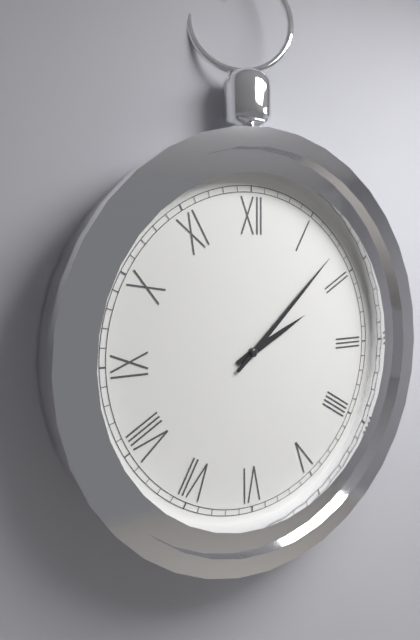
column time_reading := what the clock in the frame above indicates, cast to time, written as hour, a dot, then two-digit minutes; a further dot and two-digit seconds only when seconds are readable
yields 2.08
